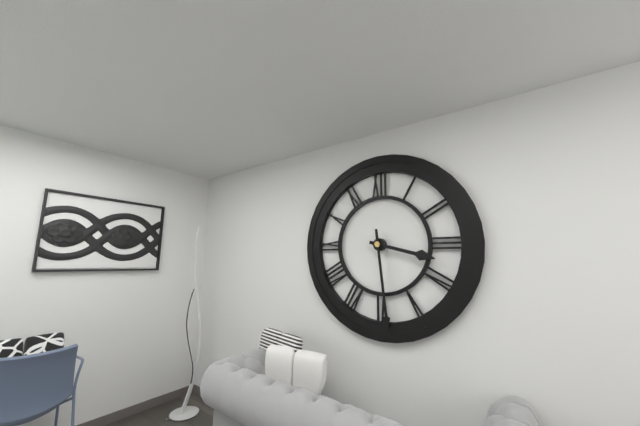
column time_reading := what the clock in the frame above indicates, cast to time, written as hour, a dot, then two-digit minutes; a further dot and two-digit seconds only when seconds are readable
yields 3.29
